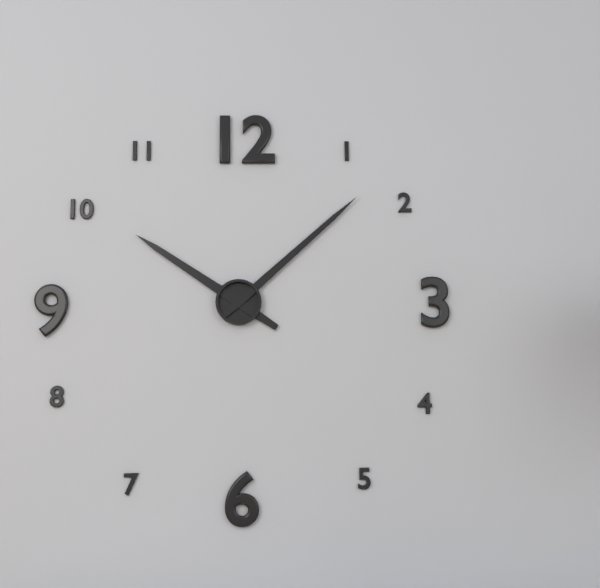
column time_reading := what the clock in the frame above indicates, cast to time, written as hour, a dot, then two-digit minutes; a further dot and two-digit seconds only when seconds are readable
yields 10.08
